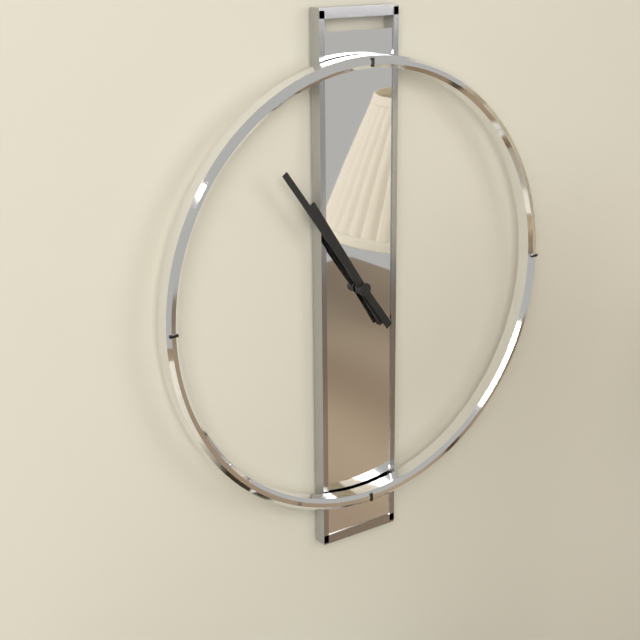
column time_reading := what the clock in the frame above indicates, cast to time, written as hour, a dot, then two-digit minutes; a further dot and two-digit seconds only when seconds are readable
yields 10.54
